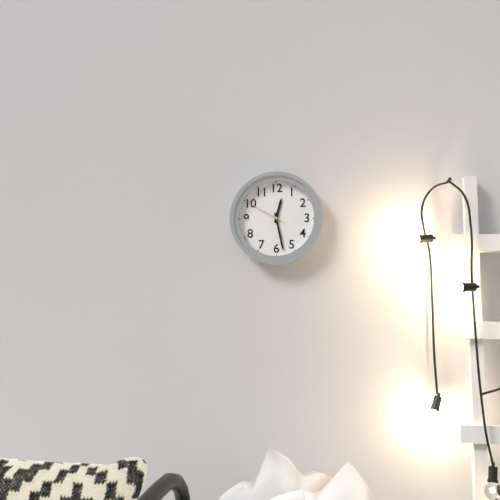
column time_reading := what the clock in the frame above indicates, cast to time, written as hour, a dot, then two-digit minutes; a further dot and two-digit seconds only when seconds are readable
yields 12.28
